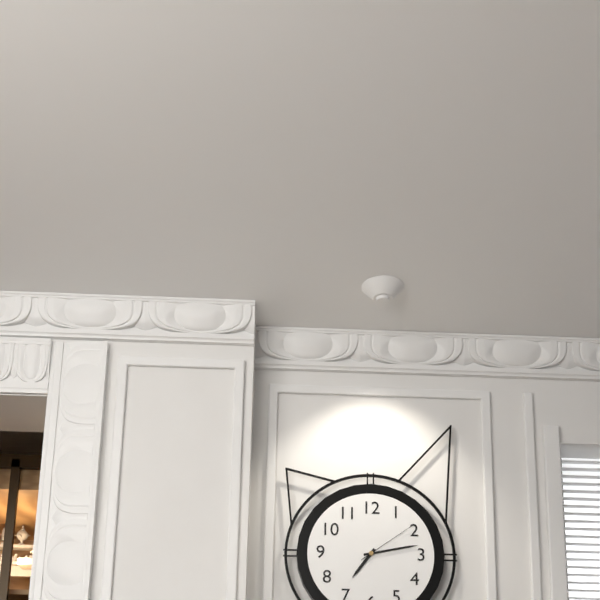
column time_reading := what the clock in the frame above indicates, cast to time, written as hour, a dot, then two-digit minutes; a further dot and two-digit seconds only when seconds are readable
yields 7.13.09
